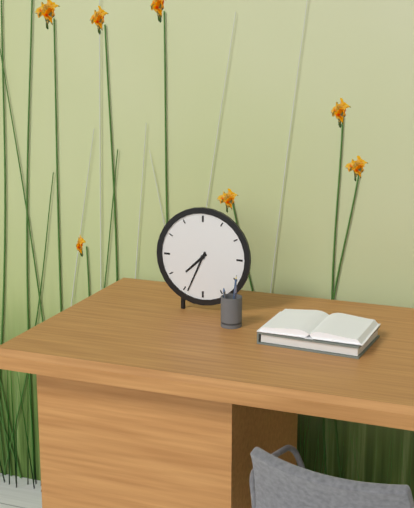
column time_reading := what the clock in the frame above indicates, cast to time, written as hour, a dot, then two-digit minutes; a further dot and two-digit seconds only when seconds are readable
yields 7.34
